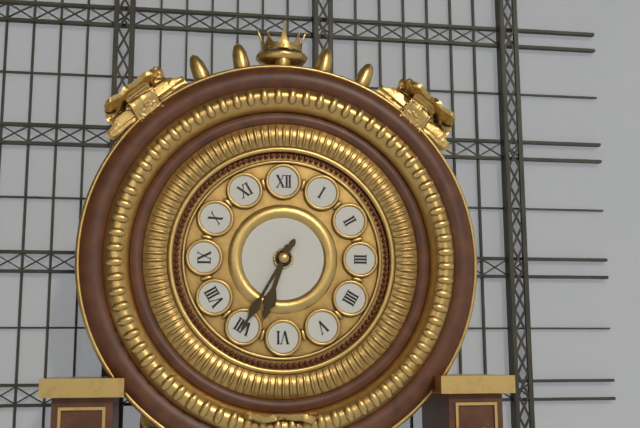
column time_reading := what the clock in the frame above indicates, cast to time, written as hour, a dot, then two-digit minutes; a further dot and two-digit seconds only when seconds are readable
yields 6.35
